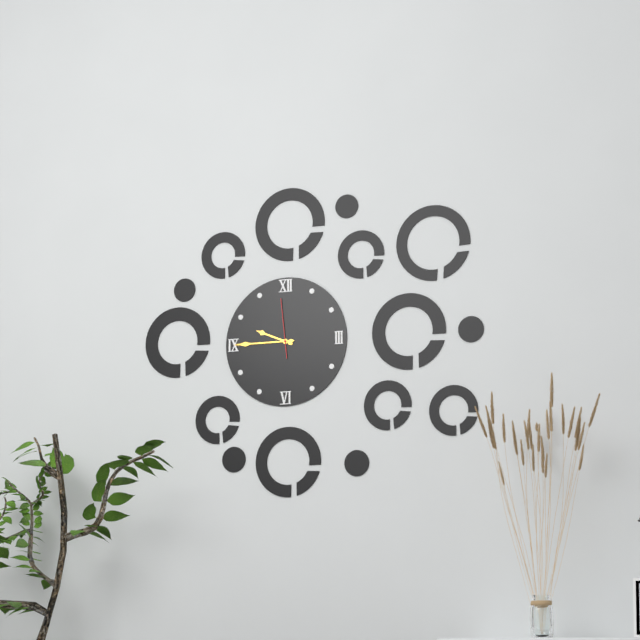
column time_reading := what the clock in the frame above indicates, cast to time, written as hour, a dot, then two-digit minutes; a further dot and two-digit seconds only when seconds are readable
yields 9.45.59
